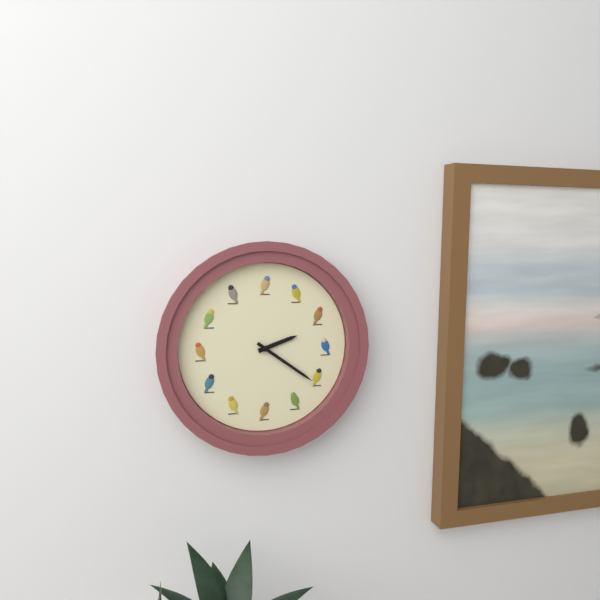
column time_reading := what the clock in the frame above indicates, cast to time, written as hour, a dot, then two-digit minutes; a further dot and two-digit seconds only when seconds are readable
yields 2.21
